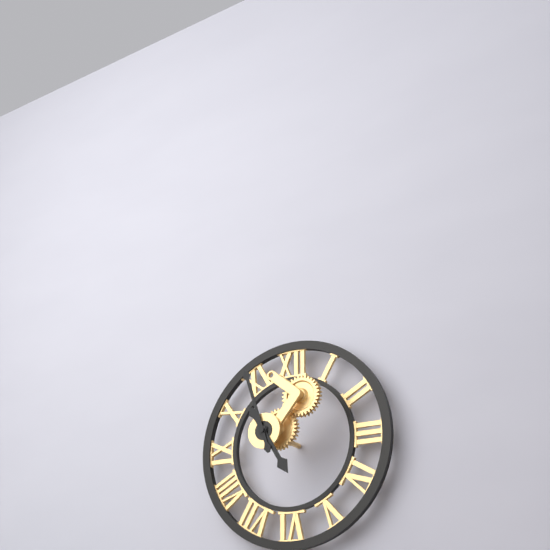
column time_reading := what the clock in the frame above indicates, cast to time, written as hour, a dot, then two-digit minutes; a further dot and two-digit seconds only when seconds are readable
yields 4.57
